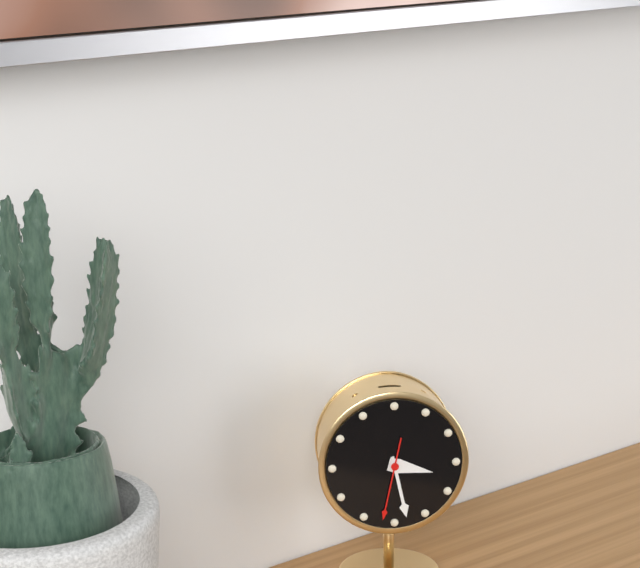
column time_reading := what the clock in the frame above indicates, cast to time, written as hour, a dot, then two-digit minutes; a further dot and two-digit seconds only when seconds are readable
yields 3.28.32
